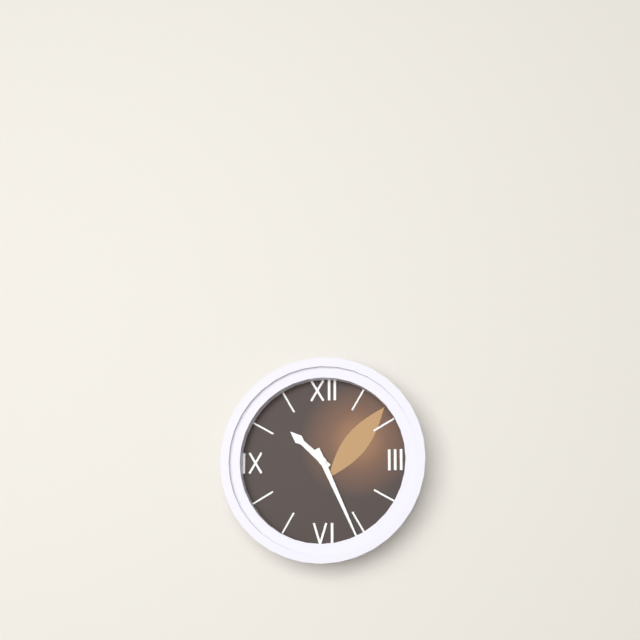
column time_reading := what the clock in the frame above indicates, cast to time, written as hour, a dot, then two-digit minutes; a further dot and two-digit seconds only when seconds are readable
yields 10.26
